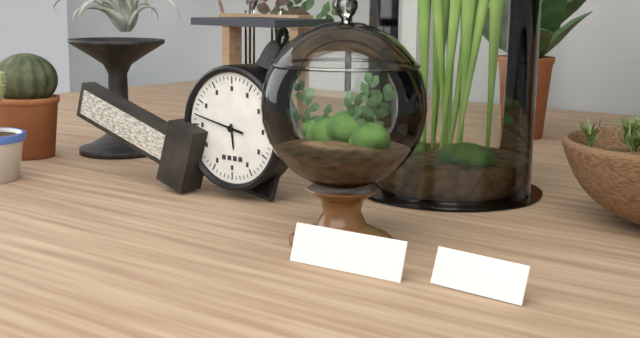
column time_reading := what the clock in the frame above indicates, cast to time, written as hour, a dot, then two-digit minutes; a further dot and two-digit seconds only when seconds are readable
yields 5.47
